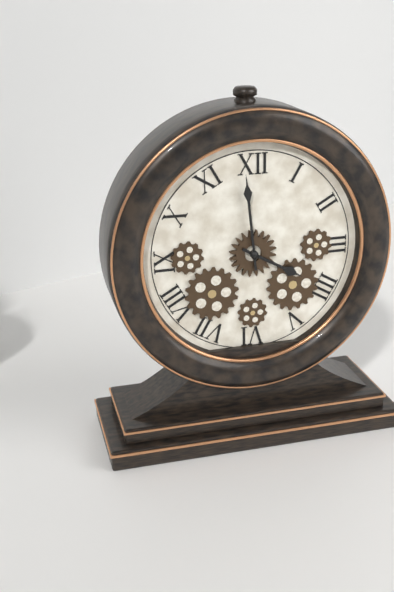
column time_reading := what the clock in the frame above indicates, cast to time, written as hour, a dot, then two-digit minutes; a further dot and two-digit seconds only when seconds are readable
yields 3.59
